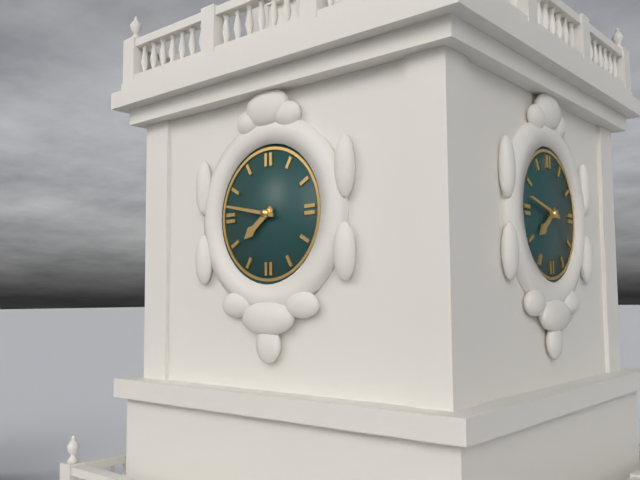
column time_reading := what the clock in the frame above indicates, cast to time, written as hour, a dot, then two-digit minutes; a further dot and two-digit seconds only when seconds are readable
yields 7.47
